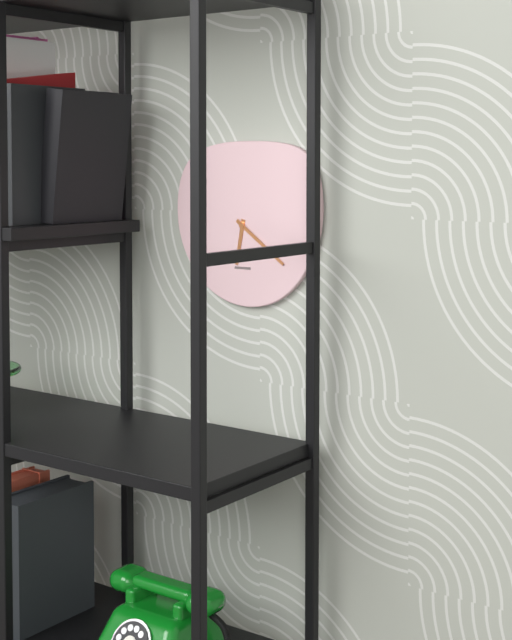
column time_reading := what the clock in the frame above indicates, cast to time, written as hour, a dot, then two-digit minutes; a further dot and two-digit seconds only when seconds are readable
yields 6.21
